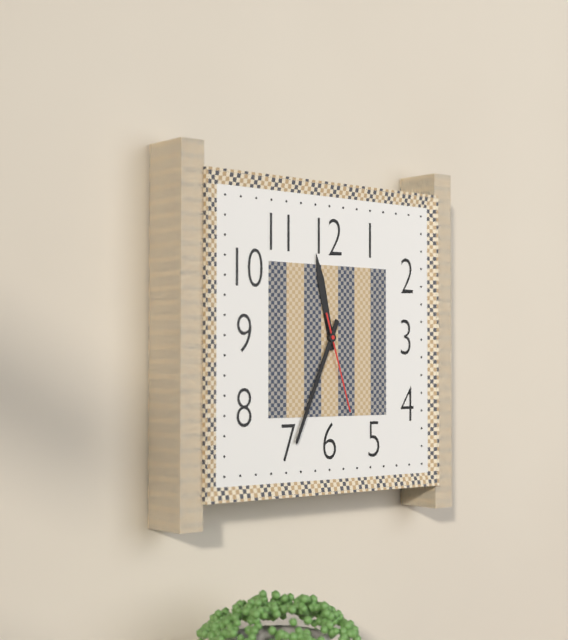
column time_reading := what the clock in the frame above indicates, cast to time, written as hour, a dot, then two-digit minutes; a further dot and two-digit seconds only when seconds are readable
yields 11.34.27
